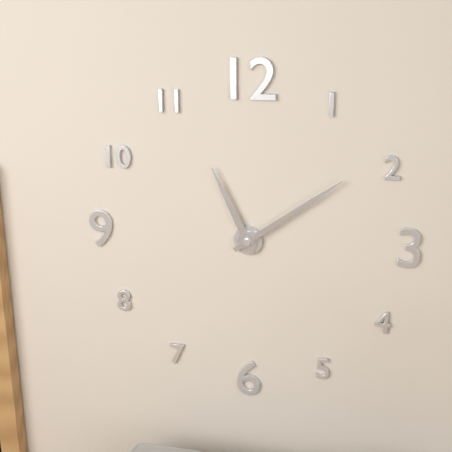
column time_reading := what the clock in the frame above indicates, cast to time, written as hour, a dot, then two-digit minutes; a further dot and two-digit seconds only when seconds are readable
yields 11.09
